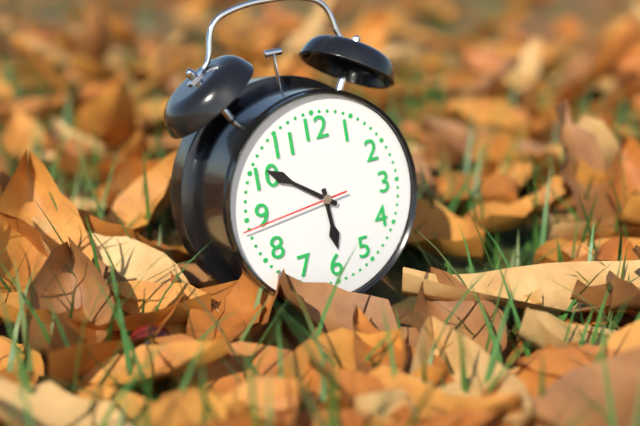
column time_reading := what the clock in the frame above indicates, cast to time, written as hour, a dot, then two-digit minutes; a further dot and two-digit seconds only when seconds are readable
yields 5.51.44
